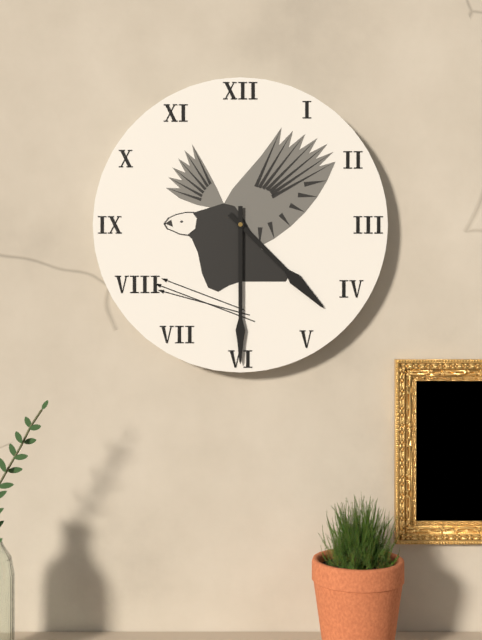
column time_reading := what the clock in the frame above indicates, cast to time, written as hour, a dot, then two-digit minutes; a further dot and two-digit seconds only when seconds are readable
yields 4.30
